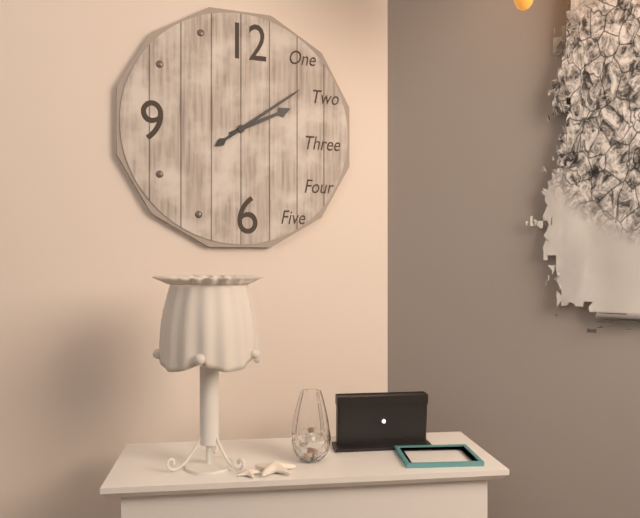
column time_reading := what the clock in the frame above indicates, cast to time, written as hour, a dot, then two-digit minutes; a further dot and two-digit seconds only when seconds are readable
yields 2.09
